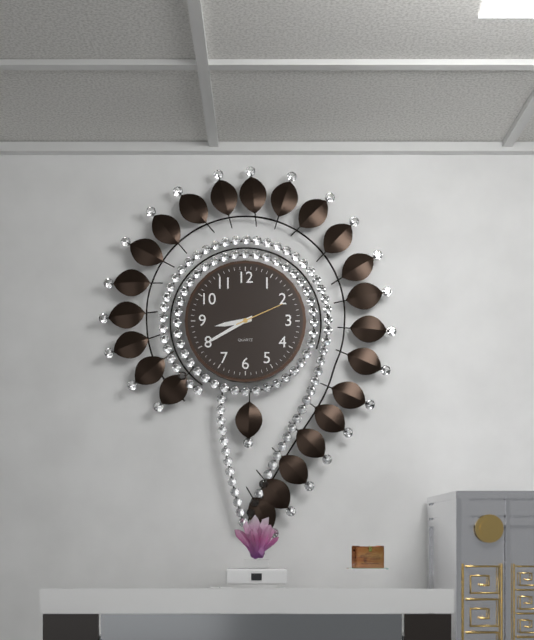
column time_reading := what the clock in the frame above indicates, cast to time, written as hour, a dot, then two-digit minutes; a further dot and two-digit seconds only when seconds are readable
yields 8.40.11
